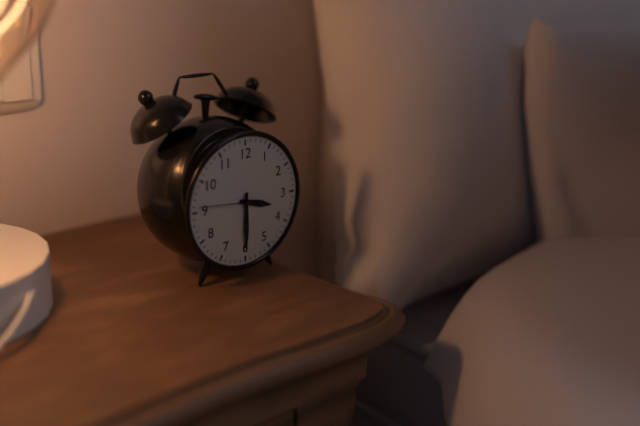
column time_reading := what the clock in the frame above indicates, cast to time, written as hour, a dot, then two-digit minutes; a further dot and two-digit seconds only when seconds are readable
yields 3.30.46
